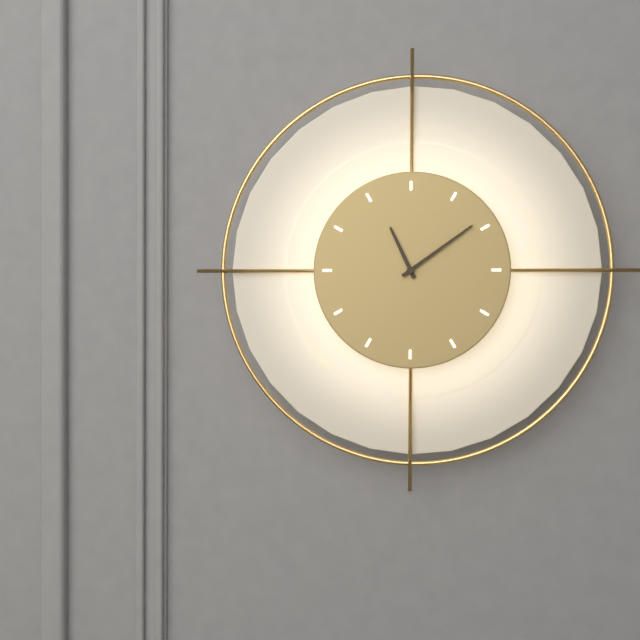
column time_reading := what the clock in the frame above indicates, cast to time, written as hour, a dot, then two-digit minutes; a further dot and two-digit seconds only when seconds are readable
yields 11.09
